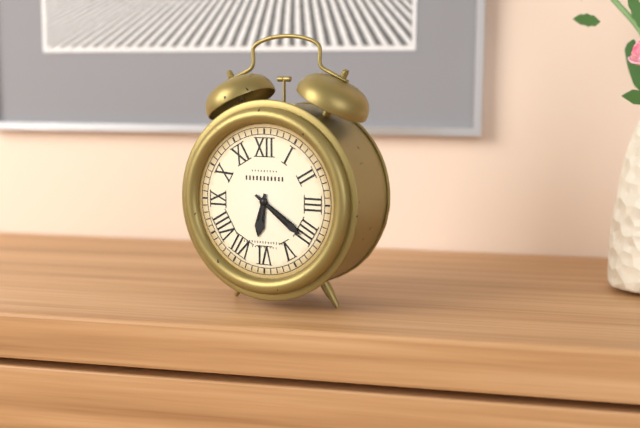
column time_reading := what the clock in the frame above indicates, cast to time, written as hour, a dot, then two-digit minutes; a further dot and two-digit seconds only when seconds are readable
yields 6.21
